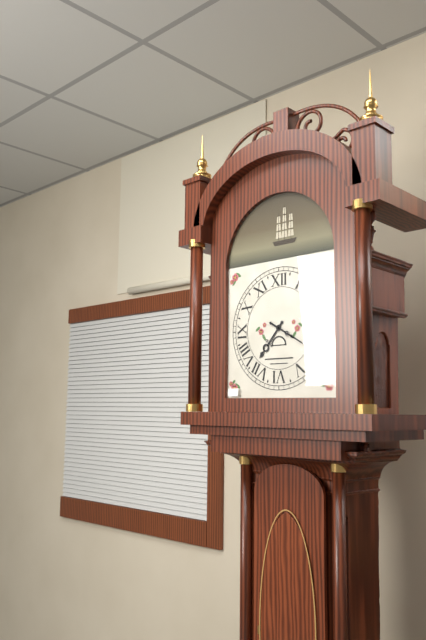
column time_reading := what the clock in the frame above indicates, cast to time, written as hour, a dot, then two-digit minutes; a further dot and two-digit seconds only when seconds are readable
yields 7.20
